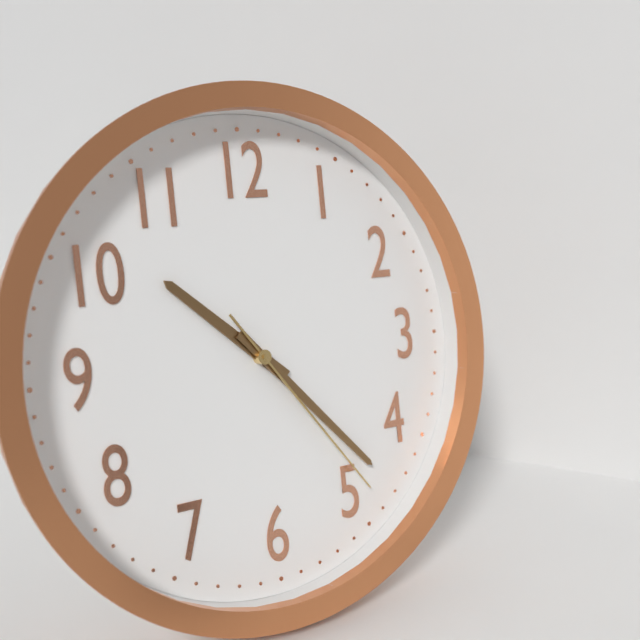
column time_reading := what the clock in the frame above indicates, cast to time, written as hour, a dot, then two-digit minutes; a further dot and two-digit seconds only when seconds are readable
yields 10.23.24
